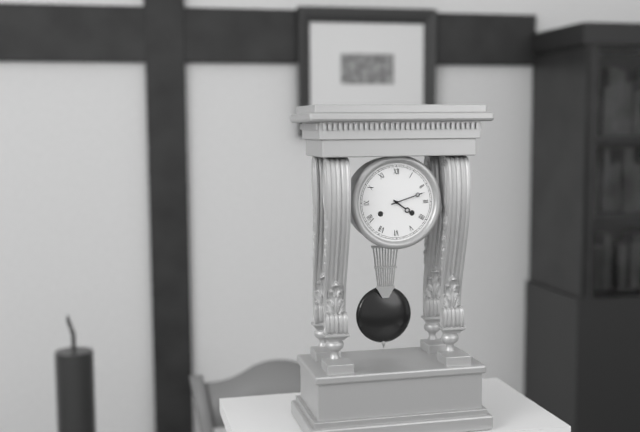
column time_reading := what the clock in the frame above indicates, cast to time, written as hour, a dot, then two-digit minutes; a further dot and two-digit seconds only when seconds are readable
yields 4.12
